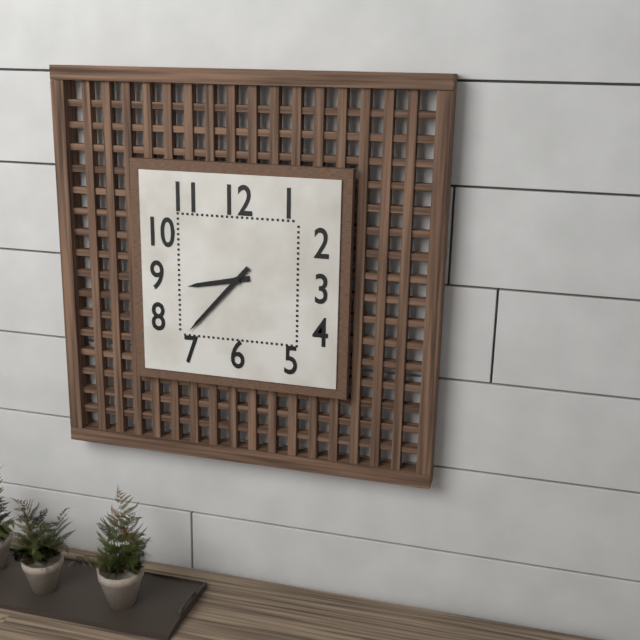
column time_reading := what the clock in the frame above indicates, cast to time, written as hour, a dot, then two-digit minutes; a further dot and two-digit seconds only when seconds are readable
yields 8.37
